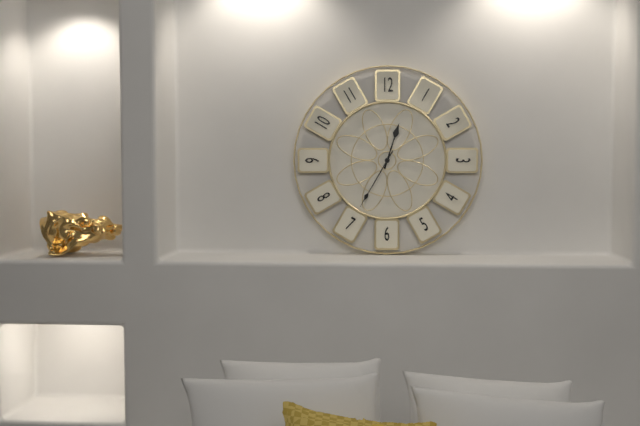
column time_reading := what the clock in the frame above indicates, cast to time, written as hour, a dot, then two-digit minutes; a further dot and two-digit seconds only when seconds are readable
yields 12.35
